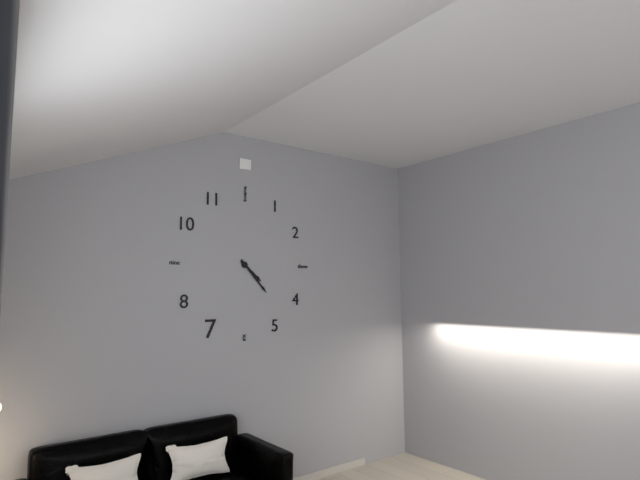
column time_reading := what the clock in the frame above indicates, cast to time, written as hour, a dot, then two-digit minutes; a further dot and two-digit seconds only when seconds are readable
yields 4.23
